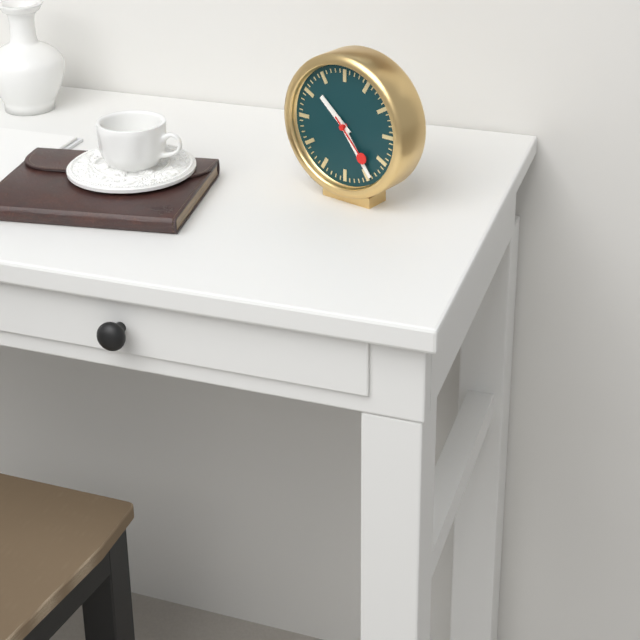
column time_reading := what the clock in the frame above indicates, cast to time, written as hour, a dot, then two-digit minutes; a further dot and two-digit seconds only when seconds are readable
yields 10.24.23
